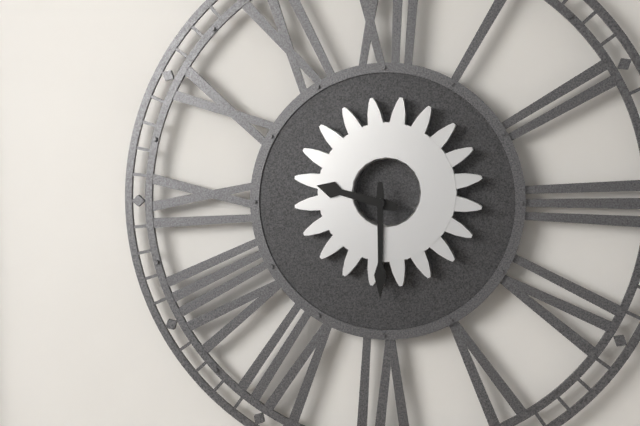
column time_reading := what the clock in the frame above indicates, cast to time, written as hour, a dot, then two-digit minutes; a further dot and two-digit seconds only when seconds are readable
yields 9.30
